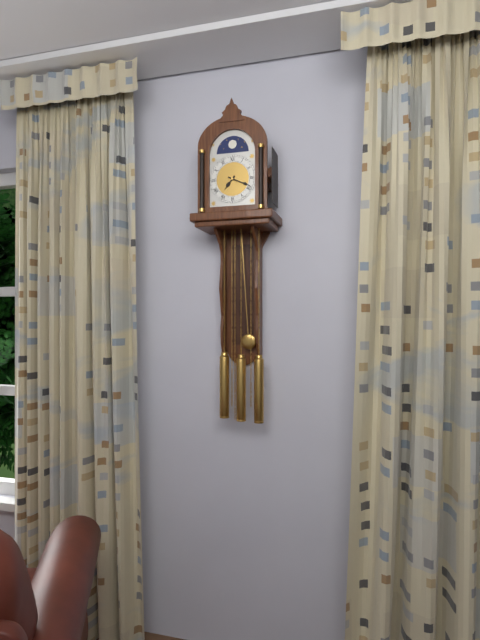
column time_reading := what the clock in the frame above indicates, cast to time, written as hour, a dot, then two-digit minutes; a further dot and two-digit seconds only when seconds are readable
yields 7.19
